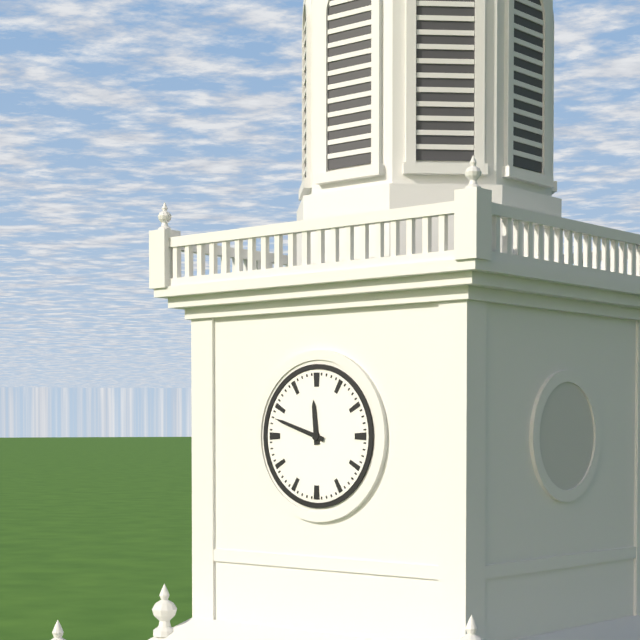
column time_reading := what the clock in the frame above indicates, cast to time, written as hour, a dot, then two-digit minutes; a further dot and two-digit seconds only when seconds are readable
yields 11.48
